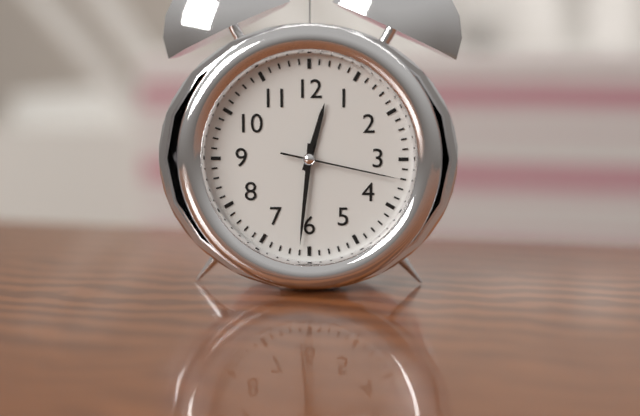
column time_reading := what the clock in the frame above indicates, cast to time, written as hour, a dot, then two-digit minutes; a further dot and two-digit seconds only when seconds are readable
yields 12.31.17
